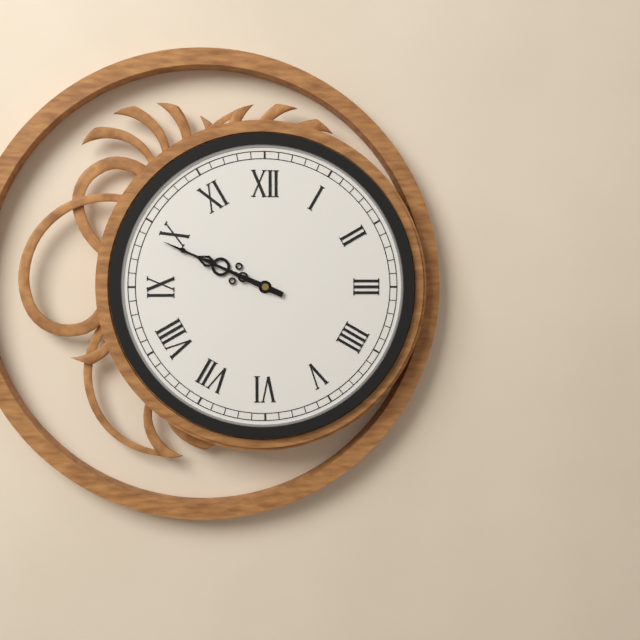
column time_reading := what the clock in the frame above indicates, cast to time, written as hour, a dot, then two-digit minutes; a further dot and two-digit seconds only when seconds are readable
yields 9.49
